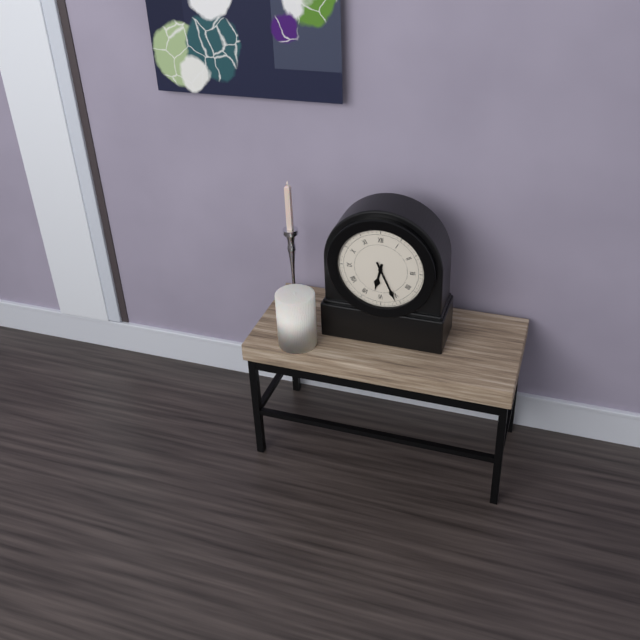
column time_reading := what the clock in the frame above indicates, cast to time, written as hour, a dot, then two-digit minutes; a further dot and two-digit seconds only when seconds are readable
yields 6.26
